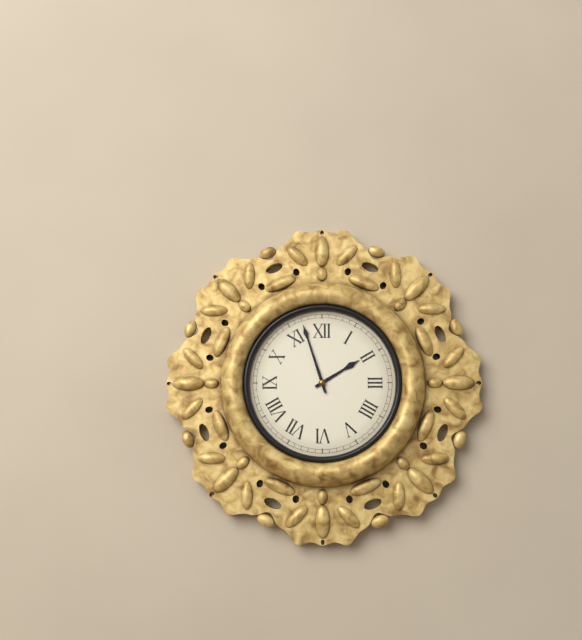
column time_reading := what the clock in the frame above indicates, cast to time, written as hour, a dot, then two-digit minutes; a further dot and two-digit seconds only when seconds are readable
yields 1.57
